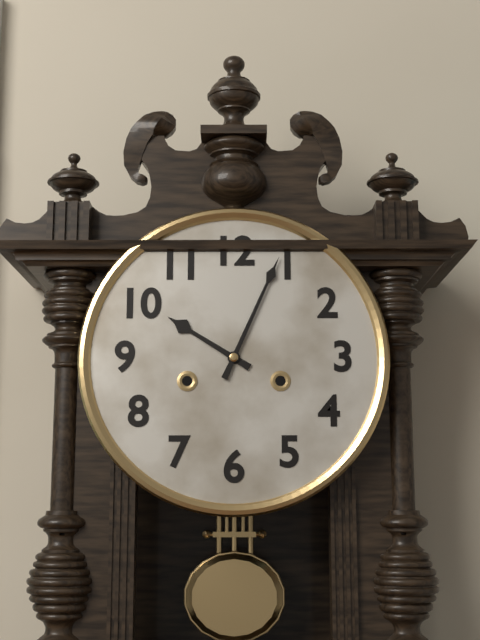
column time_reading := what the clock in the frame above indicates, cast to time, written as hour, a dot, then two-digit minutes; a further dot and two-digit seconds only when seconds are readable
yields 10.04
